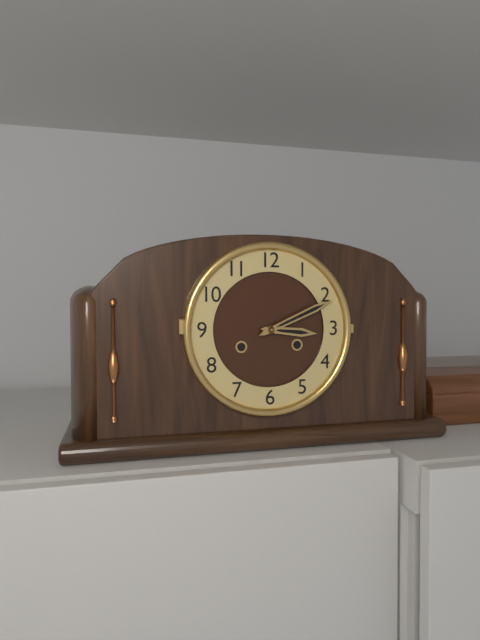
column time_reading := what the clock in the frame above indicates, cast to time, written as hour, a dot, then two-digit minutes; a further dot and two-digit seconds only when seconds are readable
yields 3.11
